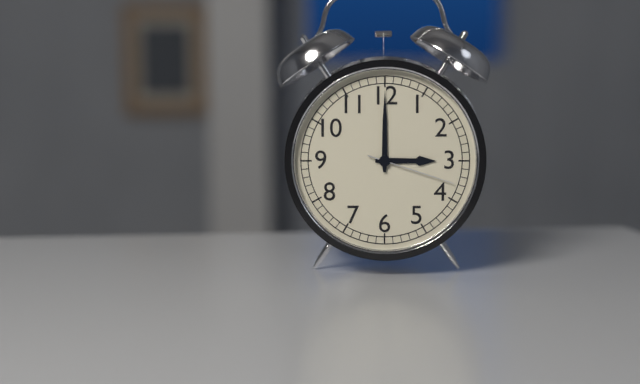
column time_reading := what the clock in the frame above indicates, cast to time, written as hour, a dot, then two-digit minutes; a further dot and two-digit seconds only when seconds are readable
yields 3.00.18
